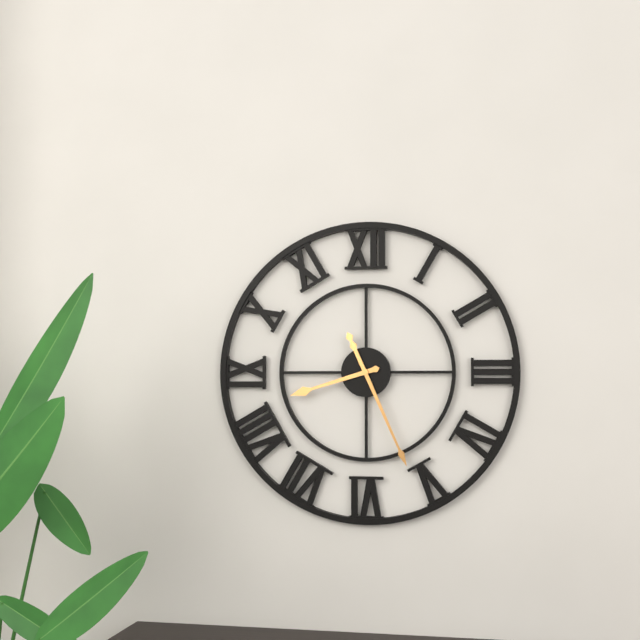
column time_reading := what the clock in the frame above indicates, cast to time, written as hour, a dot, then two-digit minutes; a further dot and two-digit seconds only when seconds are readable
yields 8.26
